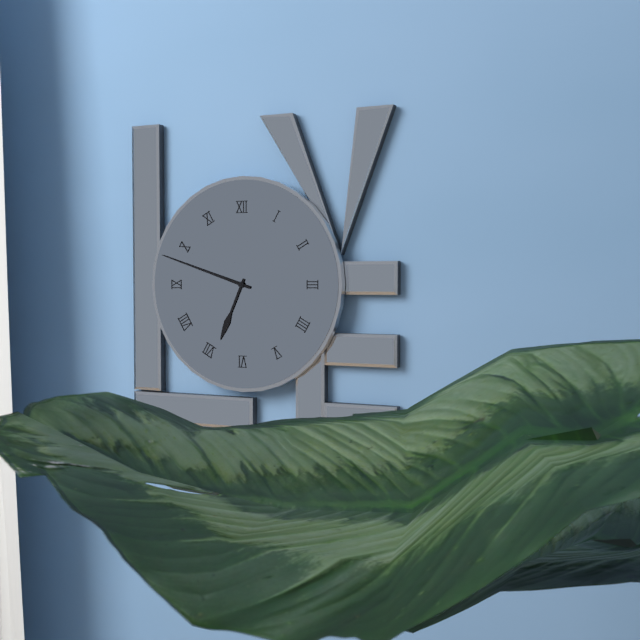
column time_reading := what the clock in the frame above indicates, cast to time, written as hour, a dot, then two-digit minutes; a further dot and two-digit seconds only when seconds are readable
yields 6.48
